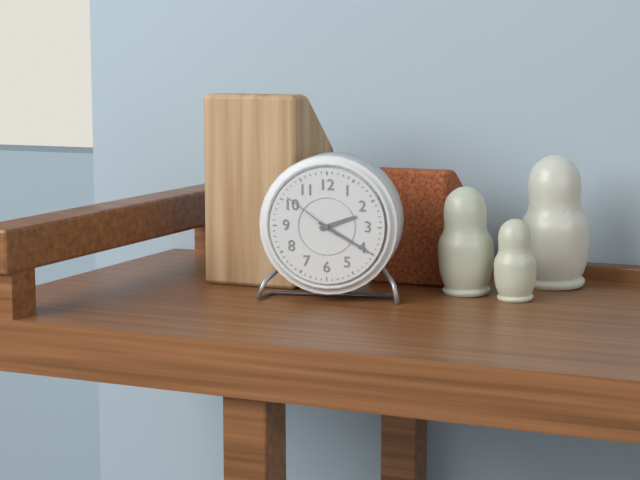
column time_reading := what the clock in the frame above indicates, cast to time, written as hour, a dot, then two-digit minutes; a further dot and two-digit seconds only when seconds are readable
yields 2.20.51
